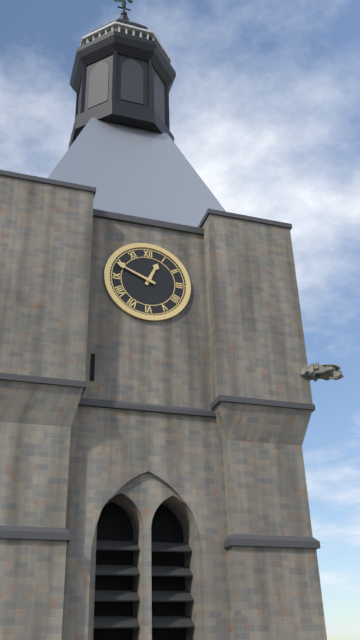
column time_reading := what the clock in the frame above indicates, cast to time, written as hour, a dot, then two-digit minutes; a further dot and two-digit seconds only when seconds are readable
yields 12.49
